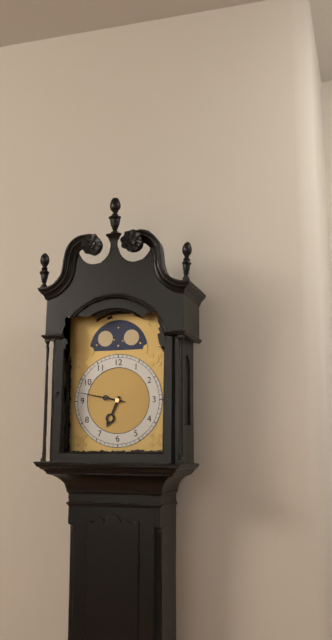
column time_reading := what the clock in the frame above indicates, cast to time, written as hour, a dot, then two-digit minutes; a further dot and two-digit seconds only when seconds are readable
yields 6.47
